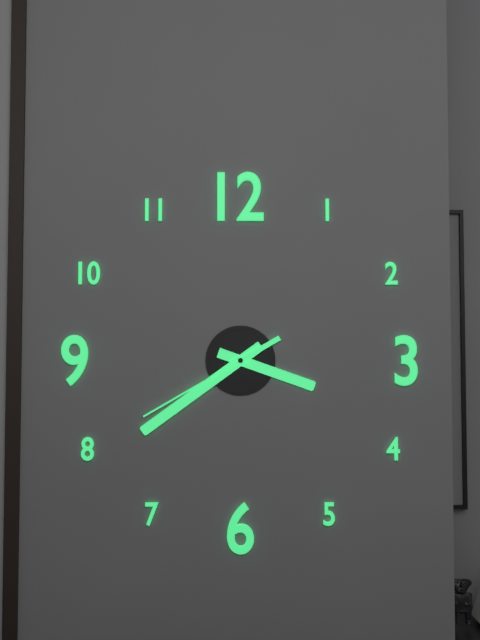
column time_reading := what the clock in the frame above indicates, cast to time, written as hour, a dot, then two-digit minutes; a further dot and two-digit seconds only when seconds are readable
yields 3.39.40
